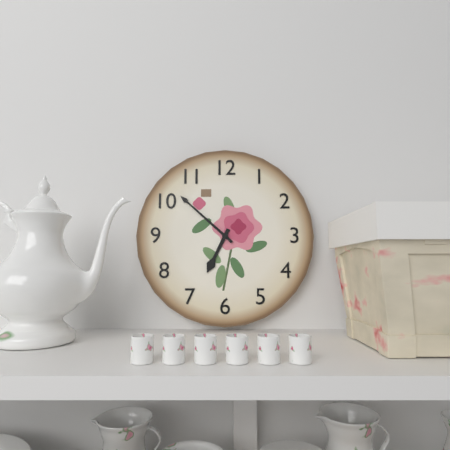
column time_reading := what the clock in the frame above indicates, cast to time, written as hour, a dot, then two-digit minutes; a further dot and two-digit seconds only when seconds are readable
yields 6.52
